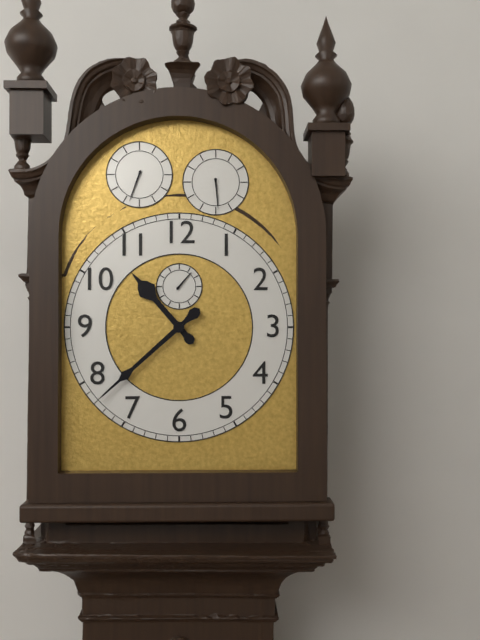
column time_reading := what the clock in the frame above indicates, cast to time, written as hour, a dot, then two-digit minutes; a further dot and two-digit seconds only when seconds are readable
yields 10.38
